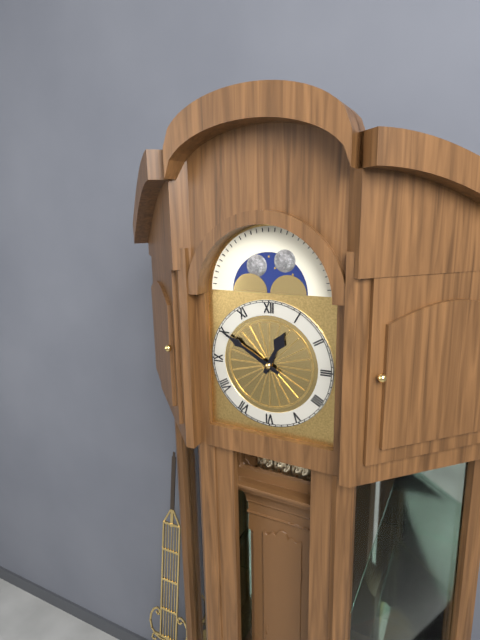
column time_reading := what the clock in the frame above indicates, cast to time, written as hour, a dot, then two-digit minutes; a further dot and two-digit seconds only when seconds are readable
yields 12.50
